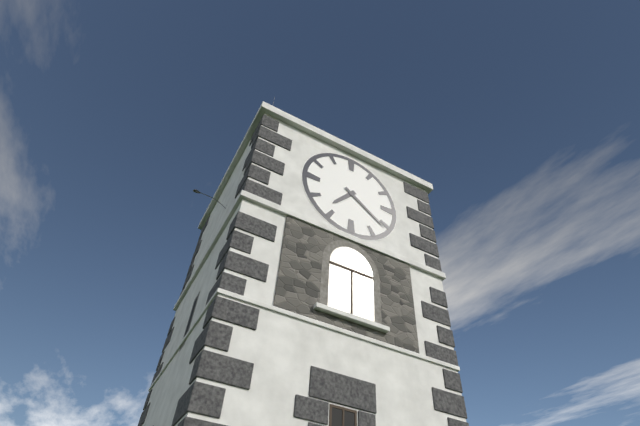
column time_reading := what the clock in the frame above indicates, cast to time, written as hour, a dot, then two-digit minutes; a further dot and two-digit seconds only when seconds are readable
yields 7.21
